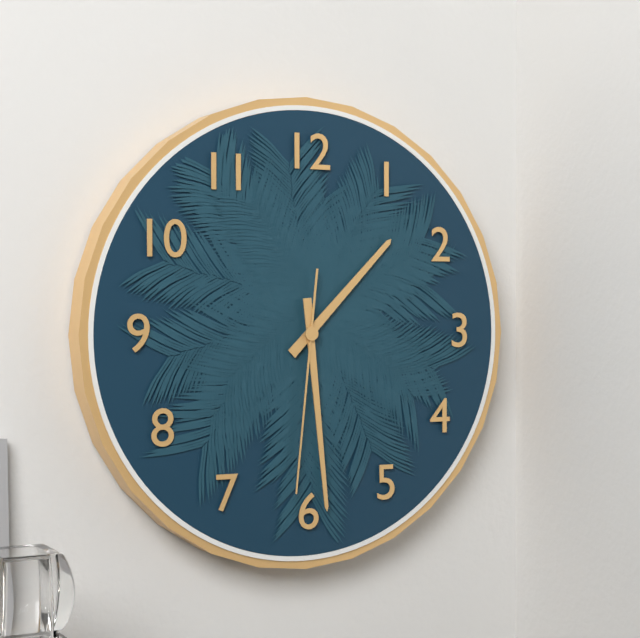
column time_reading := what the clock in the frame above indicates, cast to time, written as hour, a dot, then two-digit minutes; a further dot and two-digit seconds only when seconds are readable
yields 1.29.31
